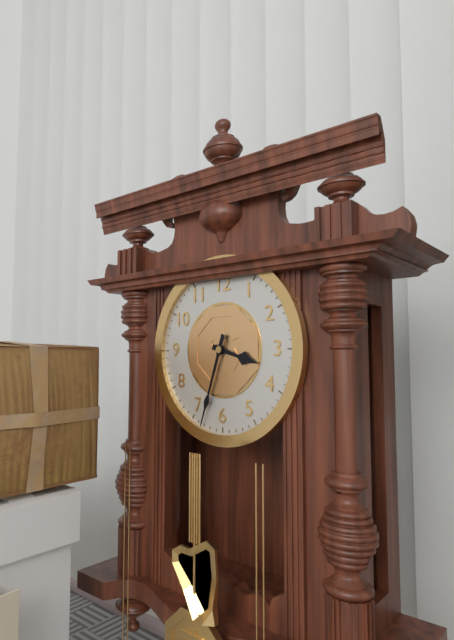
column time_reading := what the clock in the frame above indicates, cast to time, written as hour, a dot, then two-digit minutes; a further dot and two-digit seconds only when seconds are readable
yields 3.33
